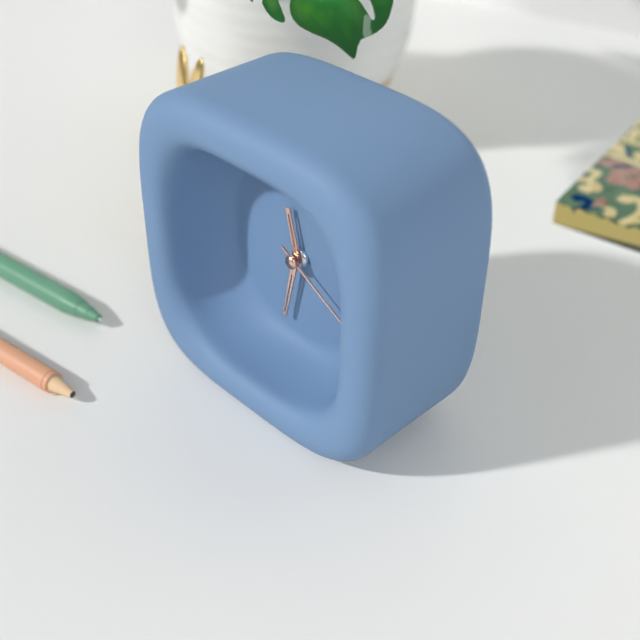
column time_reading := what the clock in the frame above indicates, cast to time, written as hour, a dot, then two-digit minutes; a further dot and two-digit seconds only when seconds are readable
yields 11.32.20
